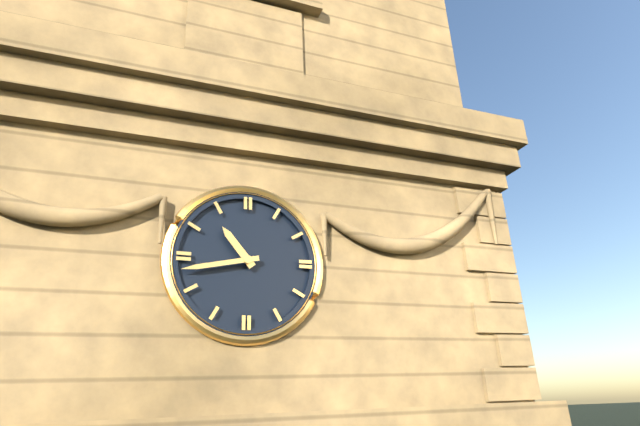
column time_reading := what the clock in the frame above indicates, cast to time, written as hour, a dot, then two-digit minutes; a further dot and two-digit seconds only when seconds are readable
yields 10.43
